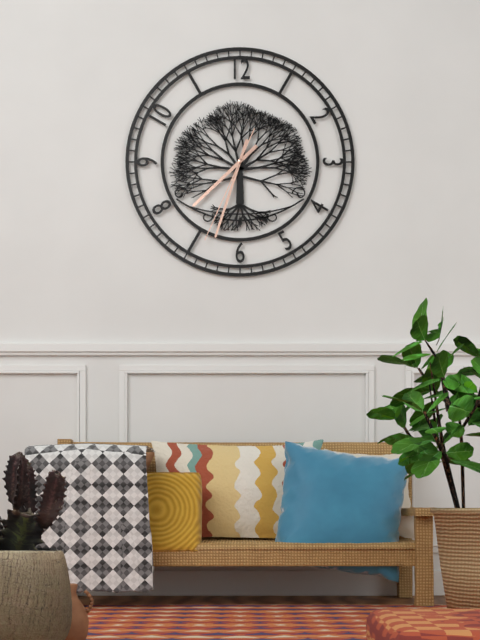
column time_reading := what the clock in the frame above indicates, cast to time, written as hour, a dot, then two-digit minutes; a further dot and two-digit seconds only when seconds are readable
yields 7.33.34
